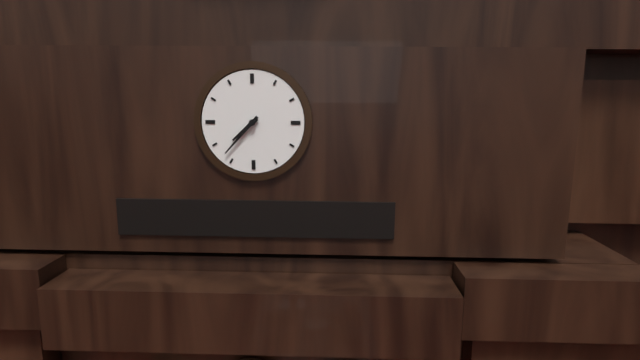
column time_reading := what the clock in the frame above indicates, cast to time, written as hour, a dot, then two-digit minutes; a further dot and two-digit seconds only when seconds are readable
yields 7.37
